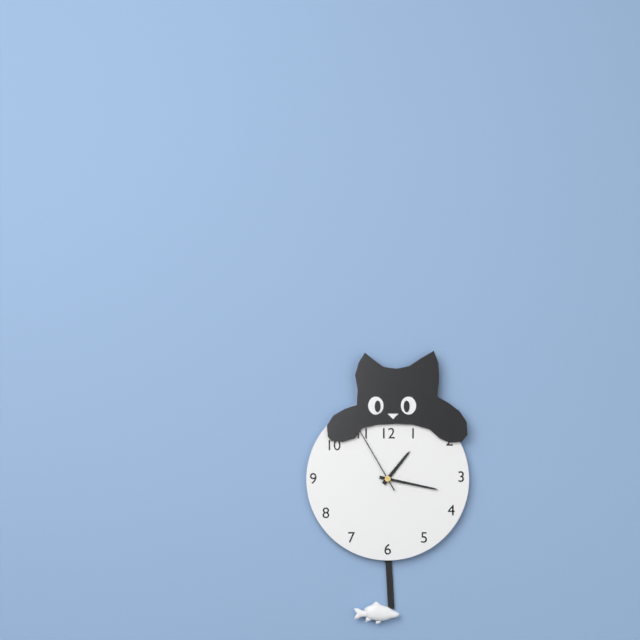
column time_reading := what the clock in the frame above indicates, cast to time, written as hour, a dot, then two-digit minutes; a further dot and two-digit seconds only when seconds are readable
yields 1.17.55
